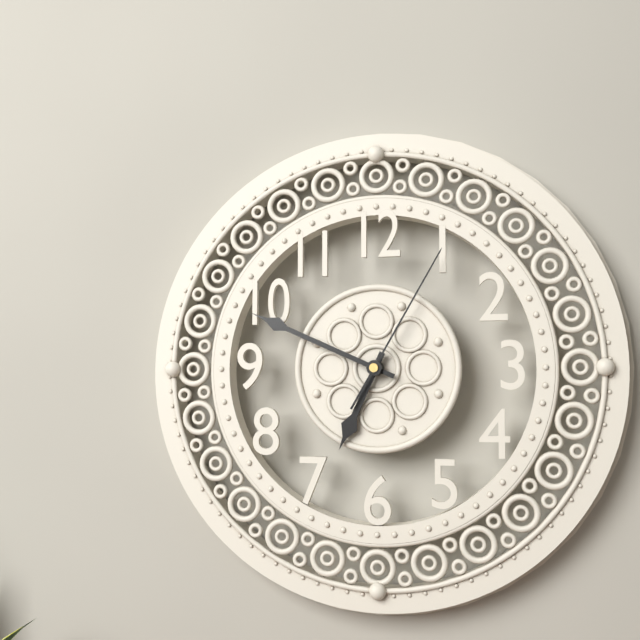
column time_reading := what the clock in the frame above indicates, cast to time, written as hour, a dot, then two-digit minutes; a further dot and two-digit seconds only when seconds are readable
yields 6.49.05
